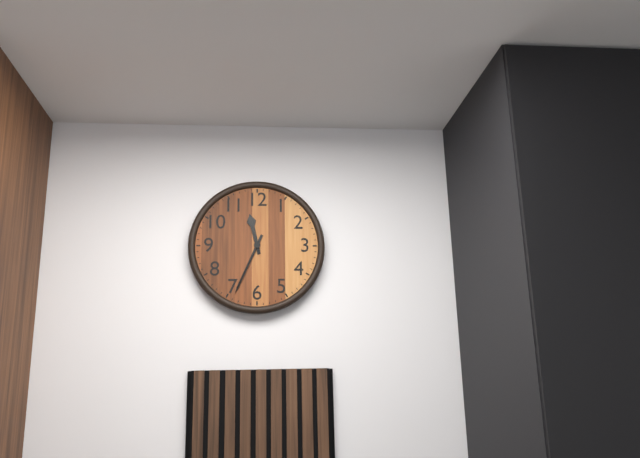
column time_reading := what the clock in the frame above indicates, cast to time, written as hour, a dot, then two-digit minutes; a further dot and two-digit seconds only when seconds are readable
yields 11.34
